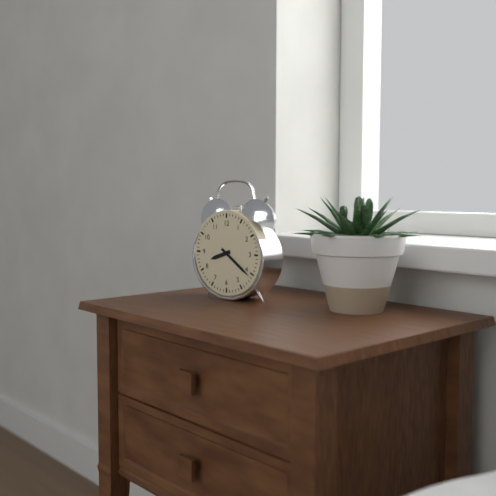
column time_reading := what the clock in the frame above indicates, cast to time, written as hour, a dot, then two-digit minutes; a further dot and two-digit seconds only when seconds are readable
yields 8.21
